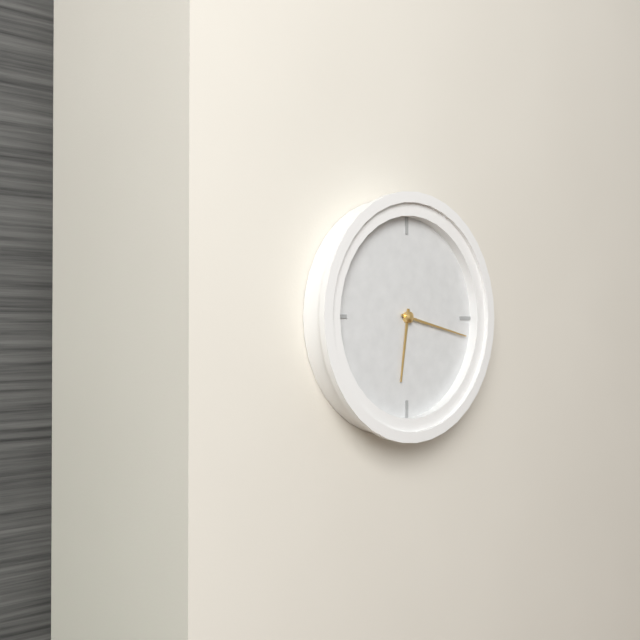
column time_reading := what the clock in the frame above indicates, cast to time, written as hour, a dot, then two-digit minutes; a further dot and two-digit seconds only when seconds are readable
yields 6.17
